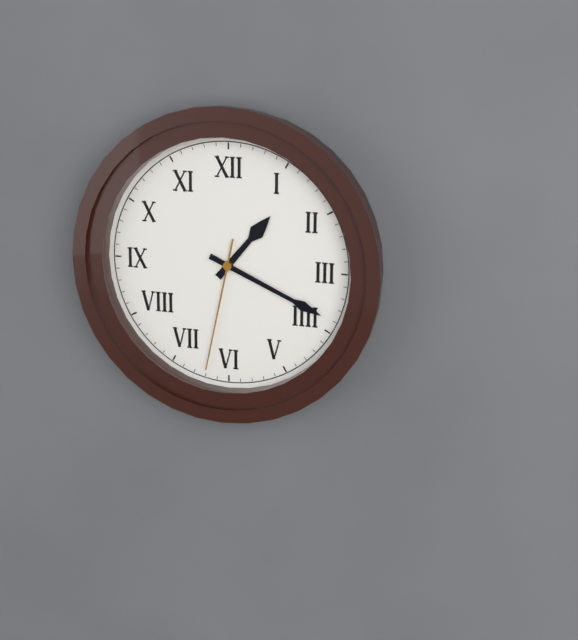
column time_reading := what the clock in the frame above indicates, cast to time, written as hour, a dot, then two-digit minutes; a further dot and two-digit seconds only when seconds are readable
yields 1.19.32
